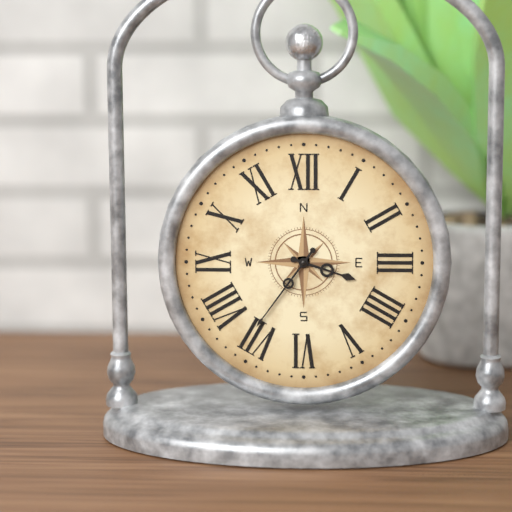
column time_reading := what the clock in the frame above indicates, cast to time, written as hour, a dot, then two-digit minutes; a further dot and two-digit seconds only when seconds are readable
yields 3.36
